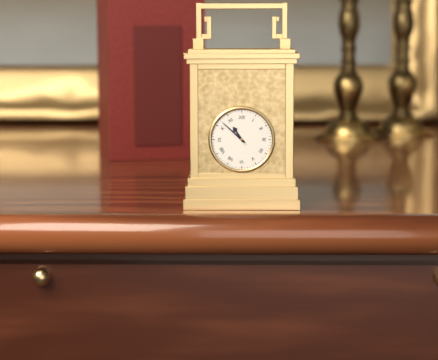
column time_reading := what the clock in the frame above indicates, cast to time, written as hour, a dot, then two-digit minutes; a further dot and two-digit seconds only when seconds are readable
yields 10.52
